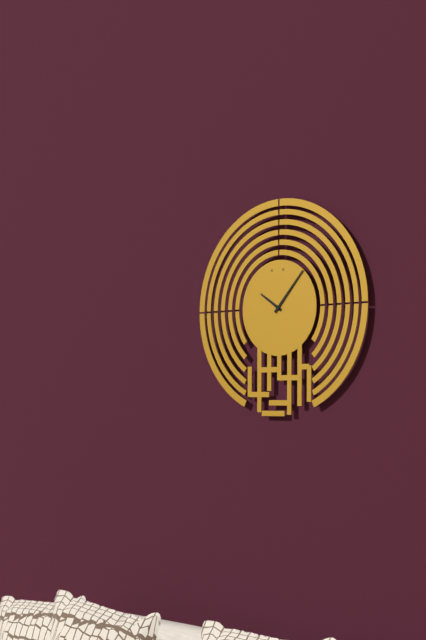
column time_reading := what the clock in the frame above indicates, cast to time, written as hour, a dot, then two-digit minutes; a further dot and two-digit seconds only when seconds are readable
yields 10.07
